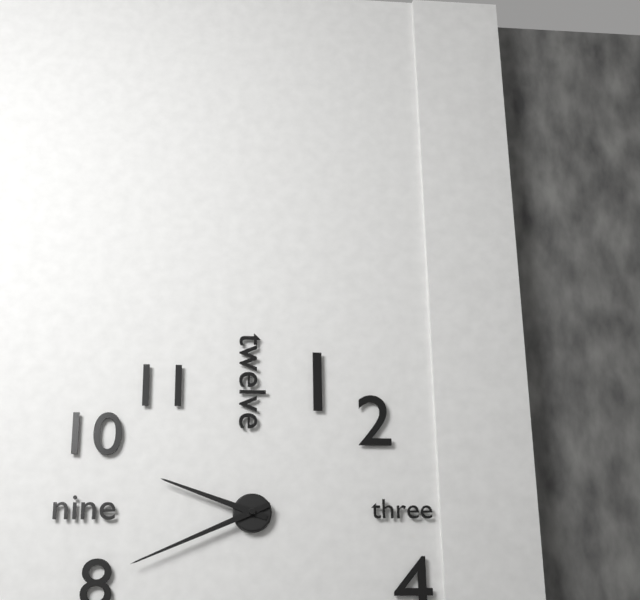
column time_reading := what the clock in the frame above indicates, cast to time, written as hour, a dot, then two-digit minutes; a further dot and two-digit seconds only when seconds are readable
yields 9.41
